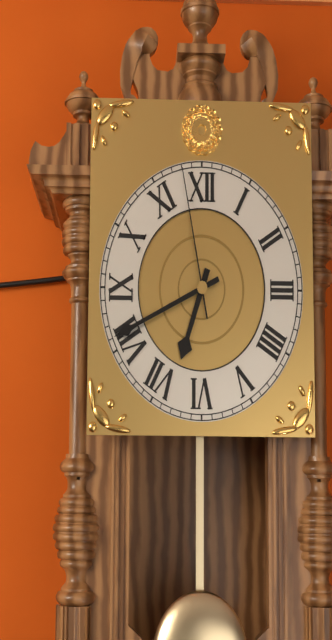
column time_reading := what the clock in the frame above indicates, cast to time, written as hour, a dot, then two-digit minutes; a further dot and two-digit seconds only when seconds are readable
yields 6.41.58
